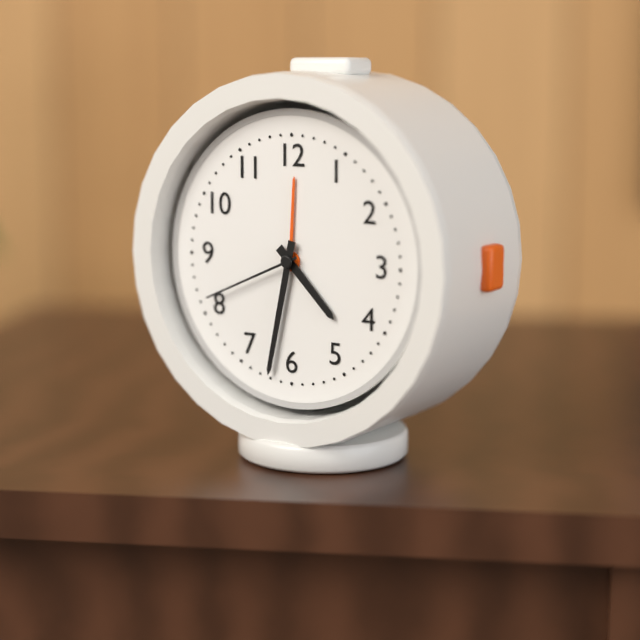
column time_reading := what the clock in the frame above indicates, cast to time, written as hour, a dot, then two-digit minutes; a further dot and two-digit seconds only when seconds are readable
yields 4.32.41
